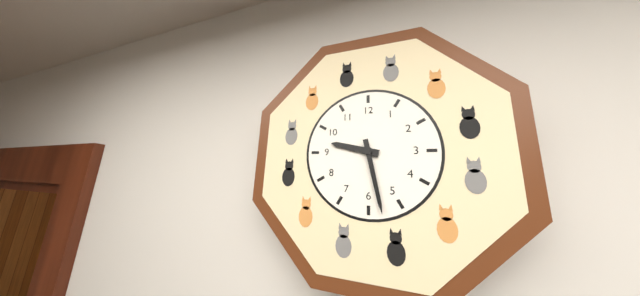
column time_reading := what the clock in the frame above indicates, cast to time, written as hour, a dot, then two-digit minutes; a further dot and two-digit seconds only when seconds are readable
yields 9.28
